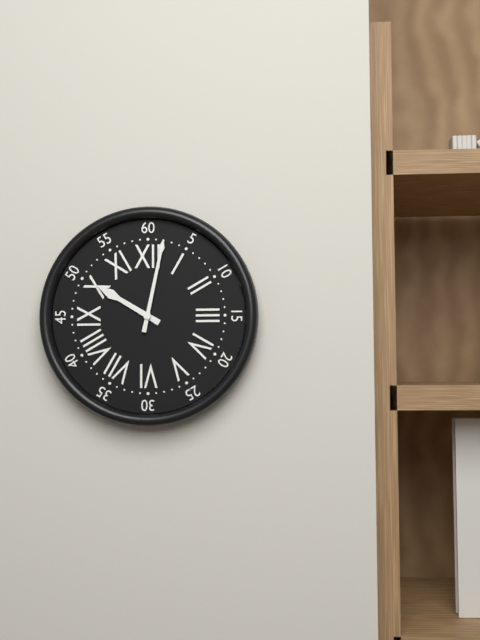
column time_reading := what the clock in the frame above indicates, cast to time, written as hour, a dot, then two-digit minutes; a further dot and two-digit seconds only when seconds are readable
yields 10.02
